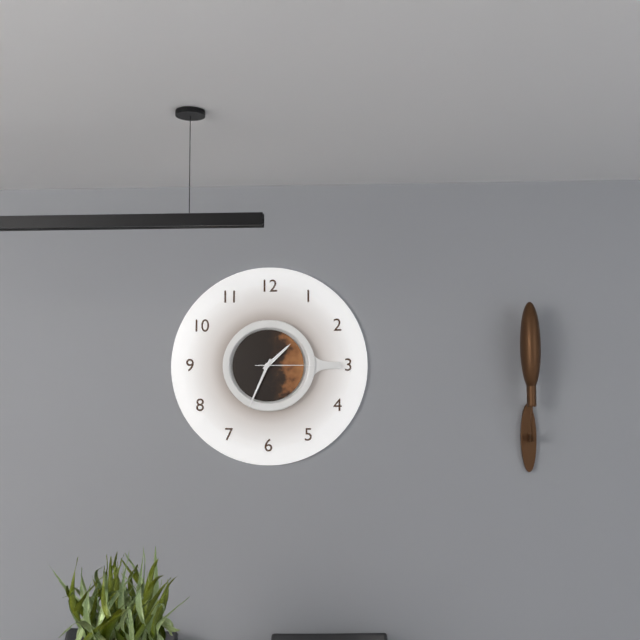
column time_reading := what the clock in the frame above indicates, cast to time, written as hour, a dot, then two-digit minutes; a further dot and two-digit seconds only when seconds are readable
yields 1.34.15
